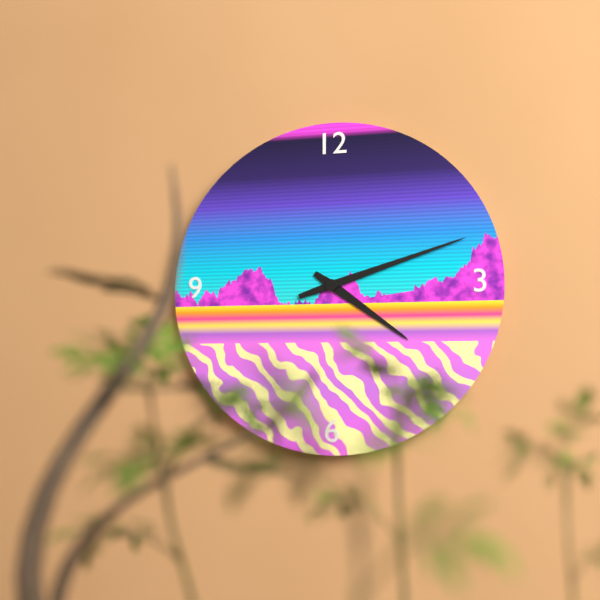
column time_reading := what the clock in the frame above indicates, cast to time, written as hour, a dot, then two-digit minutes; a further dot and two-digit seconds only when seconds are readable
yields 4.12
